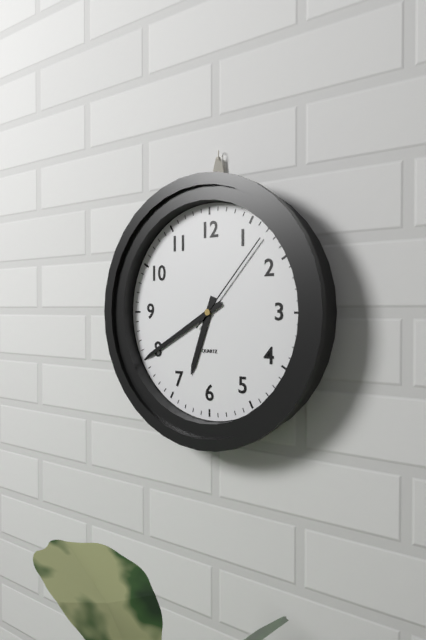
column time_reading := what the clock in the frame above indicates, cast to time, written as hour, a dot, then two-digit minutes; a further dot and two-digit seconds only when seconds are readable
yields 6.40.07
